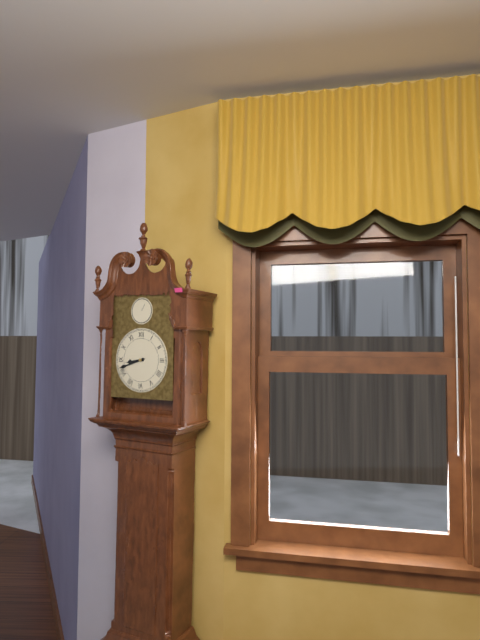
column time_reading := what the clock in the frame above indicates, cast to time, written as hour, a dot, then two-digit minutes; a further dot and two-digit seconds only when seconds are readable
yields 8.42
